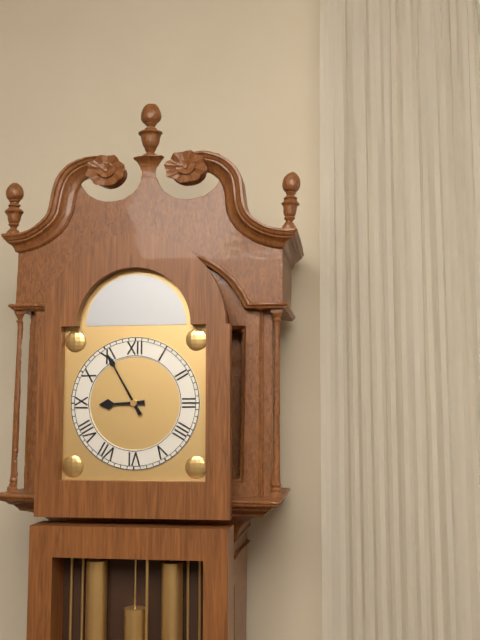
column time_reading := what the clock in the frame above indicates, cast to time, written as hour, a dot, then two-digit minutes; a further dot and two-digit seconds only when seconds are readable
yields 8.55
